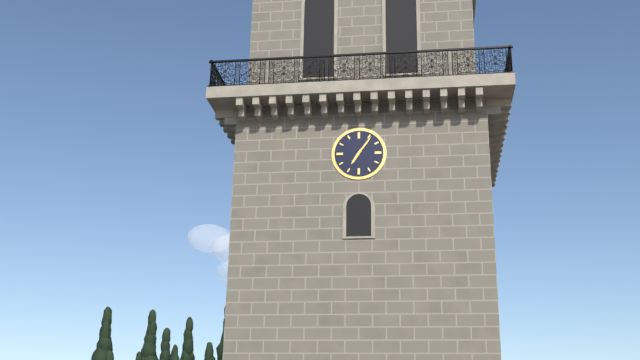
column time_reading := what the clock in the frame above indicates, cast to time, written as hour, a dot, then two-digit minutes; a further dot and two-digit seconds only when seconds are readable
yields 7.06
